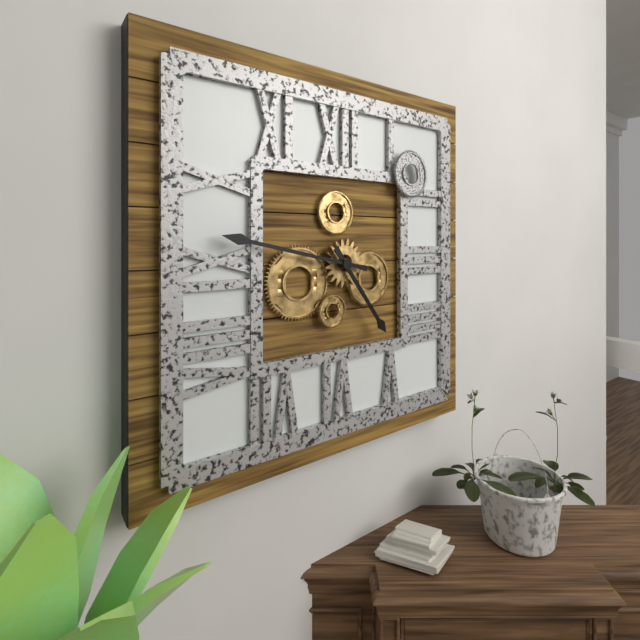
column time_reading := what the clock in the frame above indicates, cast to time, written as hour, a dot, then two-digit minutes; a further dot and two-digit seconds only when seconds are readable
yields 4.47
